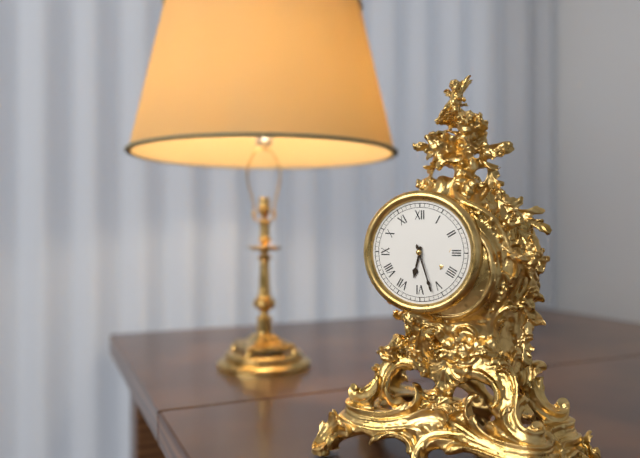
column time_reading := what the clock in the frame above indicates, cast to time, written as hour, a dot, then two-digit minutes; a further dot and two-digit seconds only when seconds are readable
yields 6.27
